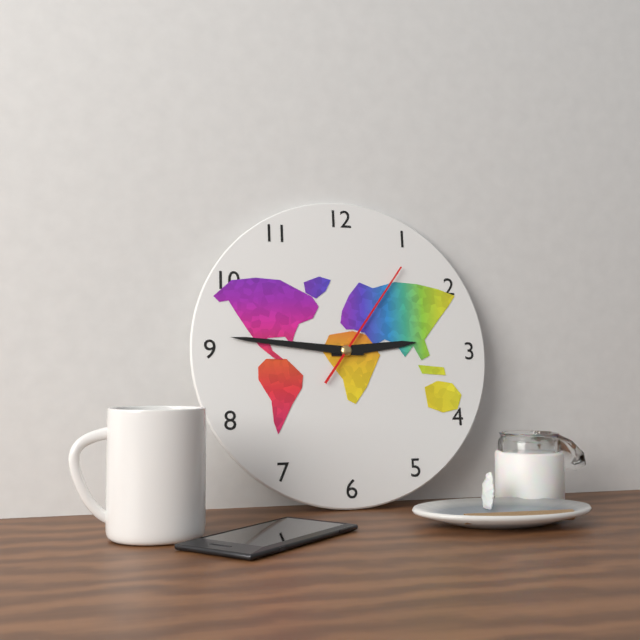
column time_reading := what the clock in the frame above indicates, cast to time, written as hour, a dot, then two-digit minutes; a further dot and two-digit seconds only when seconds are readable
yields 2.46.06
